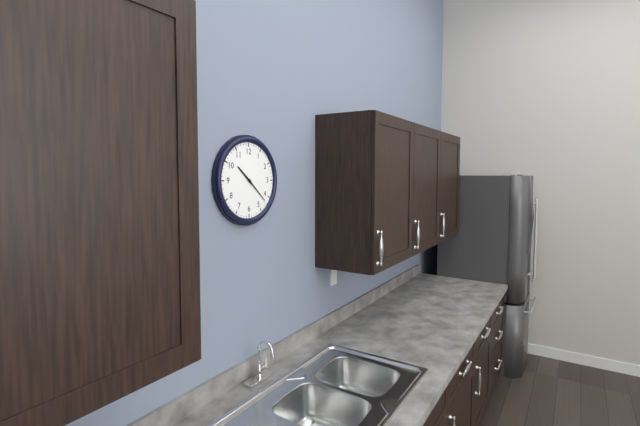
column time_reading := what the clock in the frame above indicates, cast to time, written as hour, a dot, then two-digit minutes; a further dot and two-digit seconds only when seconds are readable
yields 10.22
